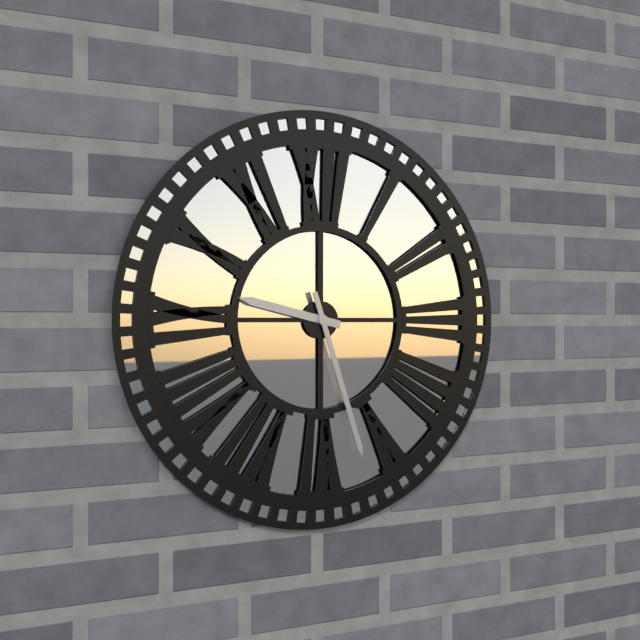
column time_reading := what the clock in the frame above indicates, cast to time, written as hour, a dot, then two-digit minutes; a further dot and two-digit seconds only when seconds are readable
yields 9.27
